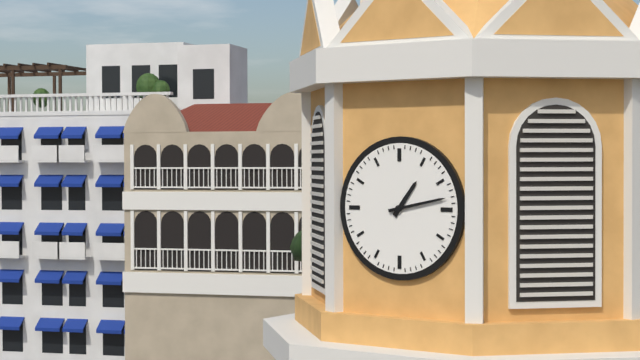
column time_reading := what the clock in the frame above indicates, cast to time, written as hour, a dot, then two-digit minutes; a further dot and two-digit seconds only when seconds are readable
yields 1.13
